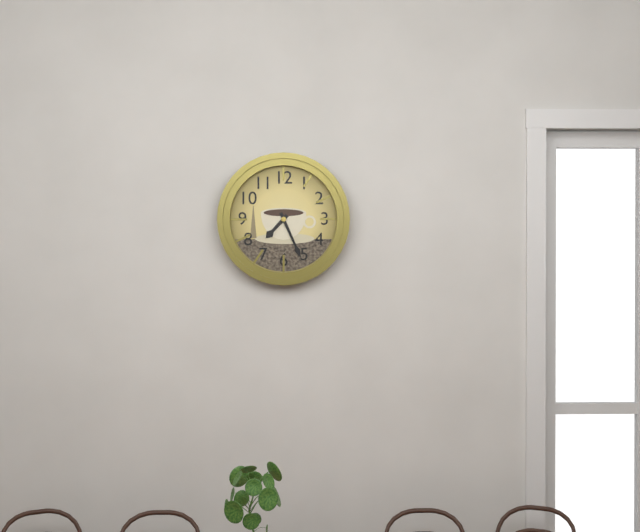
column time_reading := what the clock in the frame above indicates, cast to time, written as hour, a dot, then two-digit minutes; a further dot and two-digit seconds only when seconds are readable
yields 7.26
